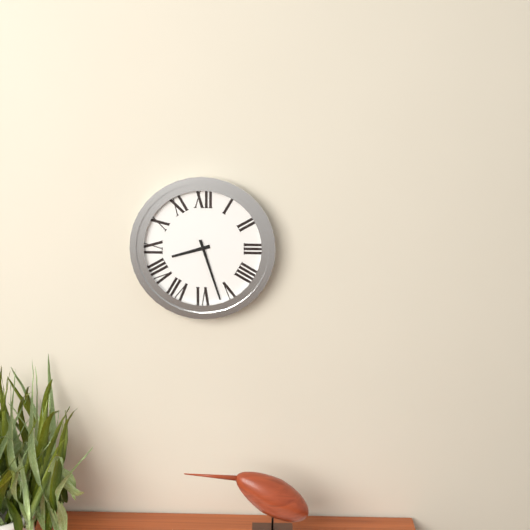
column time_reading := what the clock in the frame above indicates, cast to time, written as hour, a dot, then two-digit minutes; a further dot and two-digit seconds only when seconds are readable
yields 8.27
